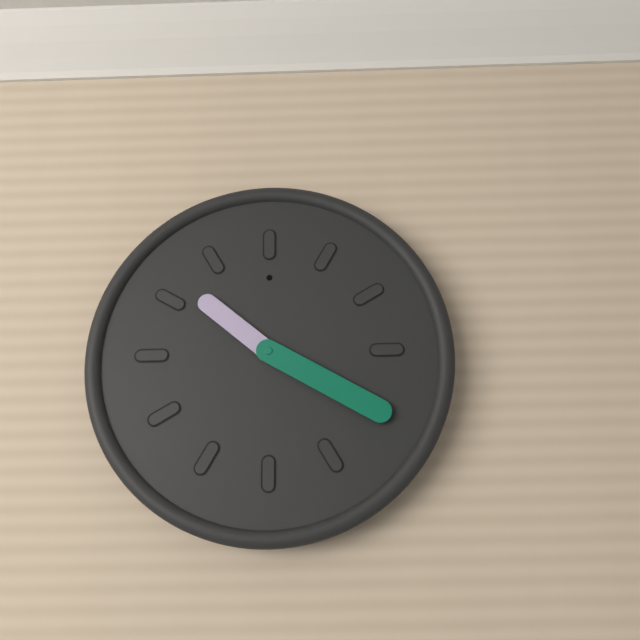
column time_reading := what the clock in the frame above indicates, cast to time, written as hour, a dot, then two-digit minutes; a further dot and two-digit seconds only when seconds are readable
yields 10.20
